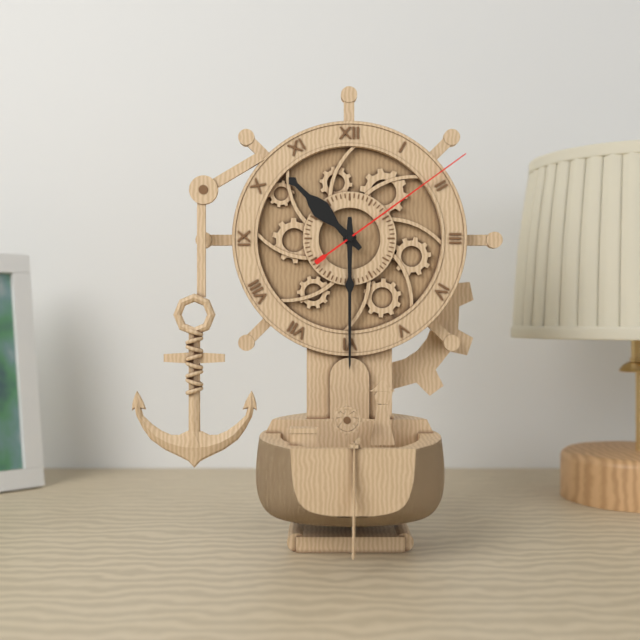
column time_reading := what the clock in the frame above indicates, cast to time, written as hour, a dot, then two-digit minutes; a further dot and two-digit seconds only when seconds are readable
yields 10.30.09
